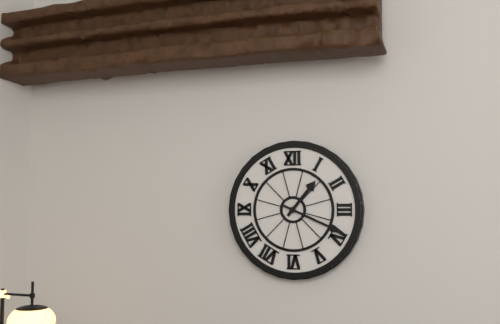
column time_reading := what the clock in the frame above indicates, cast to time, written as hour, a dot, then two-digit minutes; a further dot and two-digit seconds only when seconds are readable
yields 1.19
